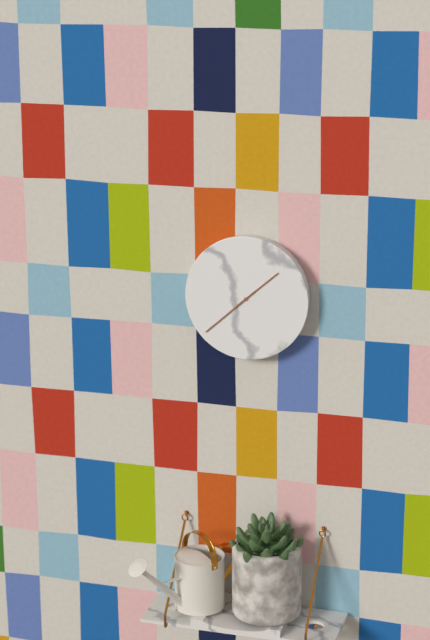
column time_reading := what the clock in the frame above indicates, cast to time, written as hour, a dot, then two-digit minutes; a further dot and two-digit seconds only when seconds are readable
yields 1.38
